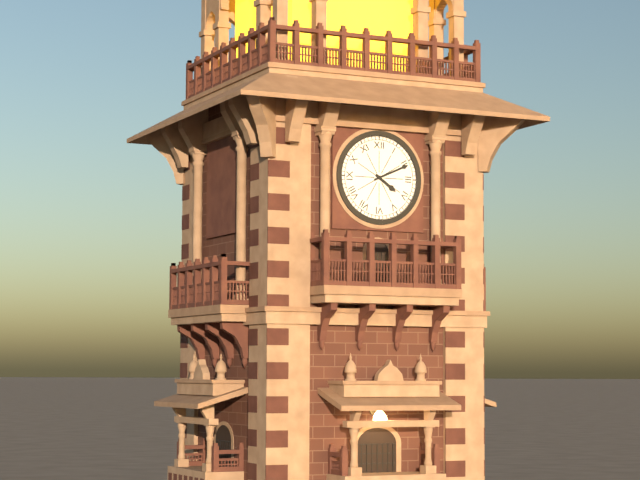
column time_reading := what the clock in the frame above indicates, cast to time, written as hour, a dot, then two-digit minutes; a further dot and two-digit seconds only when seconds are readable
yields 4.11
